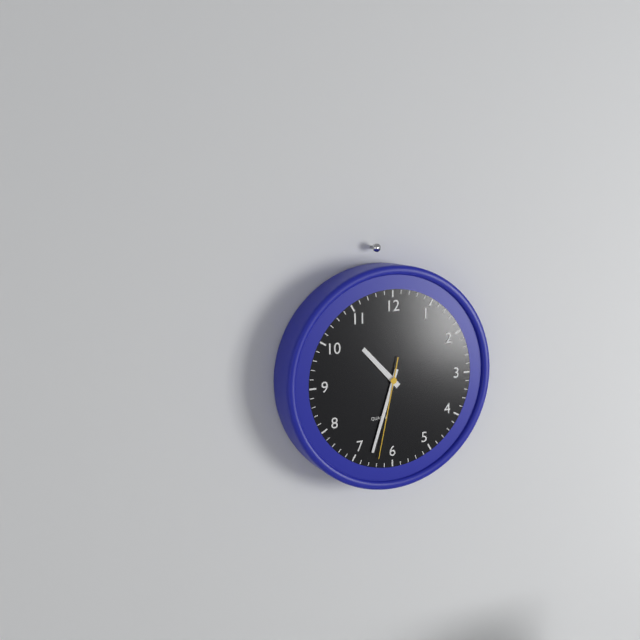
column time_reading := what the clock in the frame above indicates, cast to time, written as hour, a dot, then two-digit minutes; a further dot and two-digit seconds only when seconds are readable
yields 10.33.32
